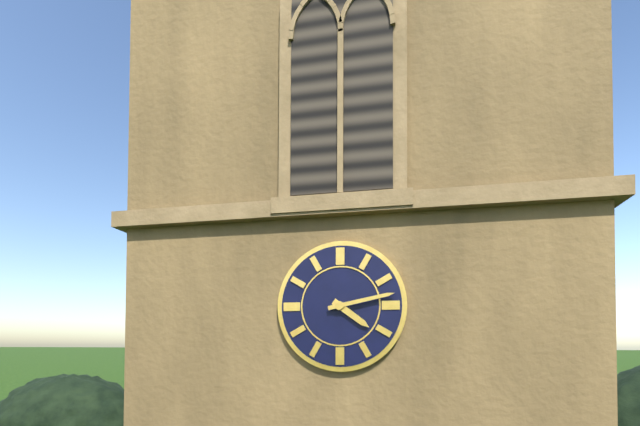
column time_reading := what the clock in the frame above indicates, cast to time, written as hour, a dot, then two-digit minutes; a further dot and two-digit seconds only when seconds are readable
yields 4.13
